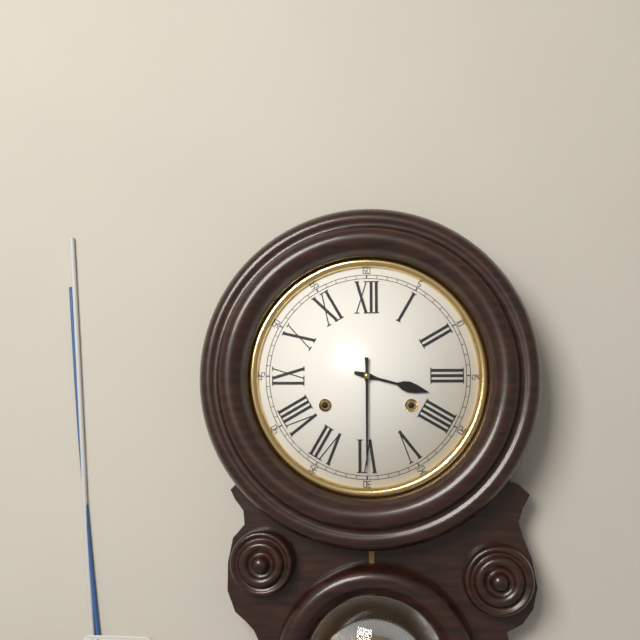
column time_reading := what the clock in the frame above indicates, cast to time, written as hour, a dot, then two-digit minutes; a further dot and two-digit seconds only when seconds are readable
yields 3.30
